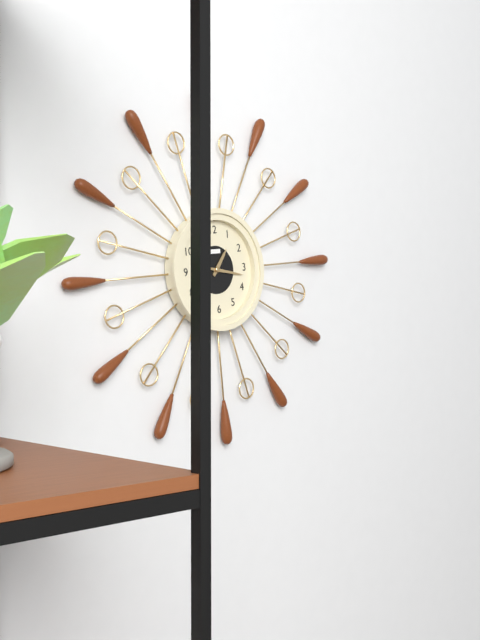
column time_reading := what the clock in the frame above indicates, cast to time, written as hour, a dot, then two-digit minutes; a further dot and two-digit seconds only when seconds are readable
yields 1.17
